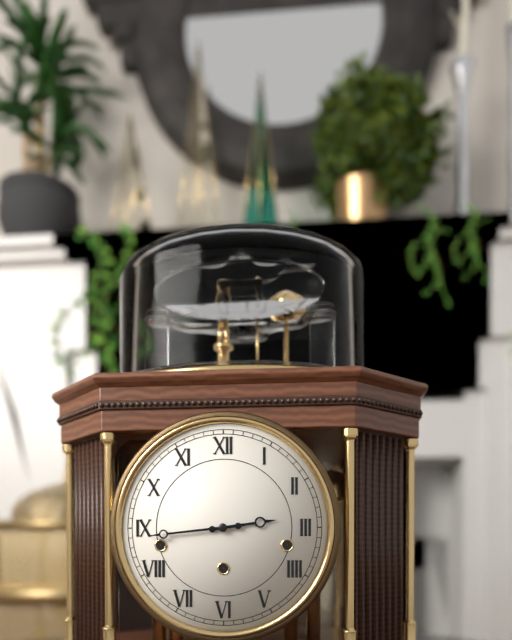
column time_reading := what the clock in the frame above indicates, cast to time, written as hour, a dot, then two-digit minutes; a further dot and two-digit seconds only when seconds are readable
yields 2.44
